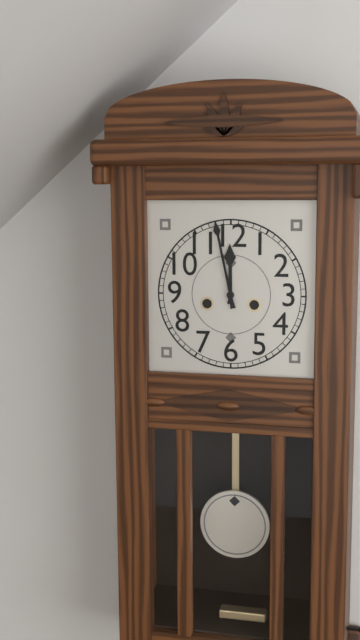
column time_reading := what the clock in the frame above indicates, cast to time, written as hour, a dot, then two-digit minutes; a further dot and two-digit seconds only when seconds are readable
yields 11.58
